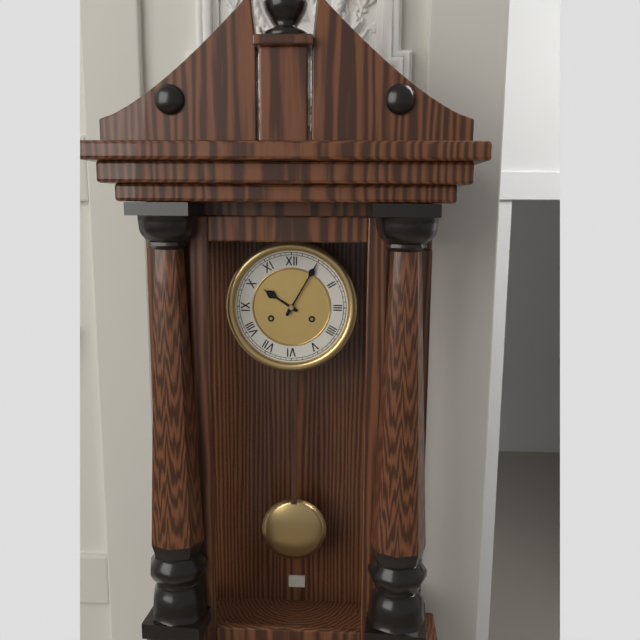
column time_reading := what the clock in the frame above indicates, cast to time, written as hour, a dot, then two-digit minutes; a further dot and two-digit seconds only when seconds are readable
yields 10.05
